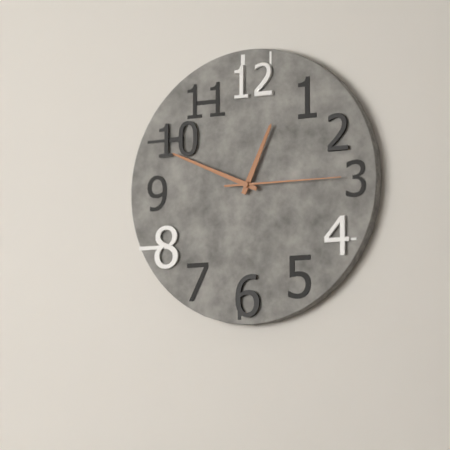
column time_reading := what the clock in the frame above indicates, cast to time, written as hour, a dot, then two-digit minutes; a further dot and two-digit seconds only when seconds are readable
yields 12.49.15
